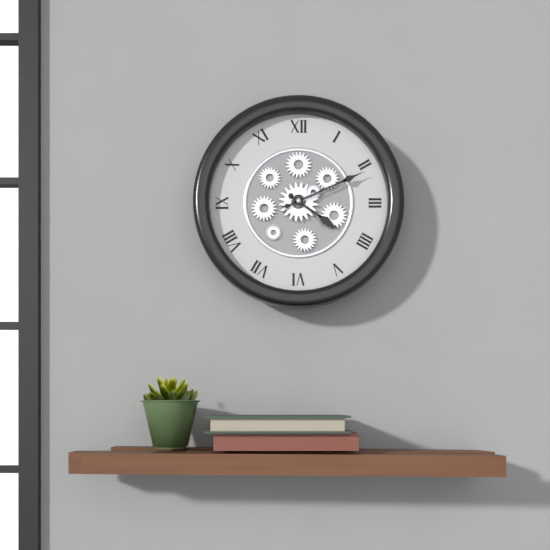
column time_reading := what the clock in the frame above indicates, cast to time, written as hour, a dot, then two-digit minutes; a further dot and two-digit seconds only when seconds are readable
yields 4.11
